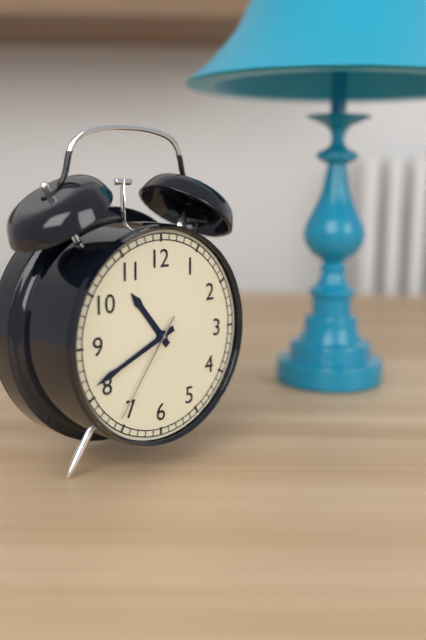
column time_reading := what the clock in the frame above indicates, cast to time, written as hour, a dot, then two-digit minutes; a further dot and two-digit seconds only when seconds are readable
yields 10.41.36
